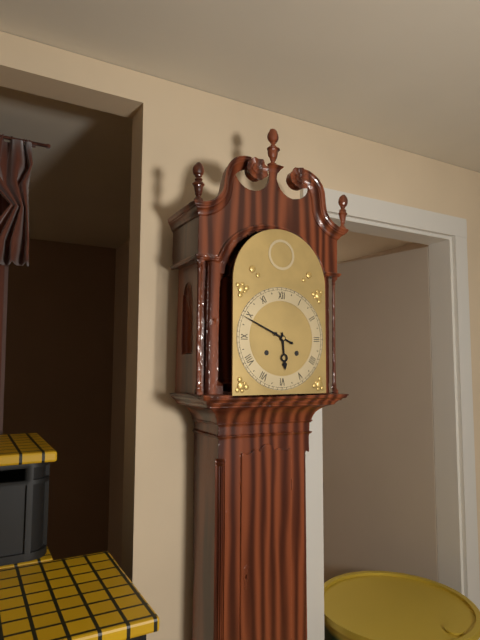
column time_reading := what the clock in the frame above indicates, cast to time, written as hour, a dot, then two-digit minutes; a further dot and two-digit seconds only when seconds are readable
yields 5.49
